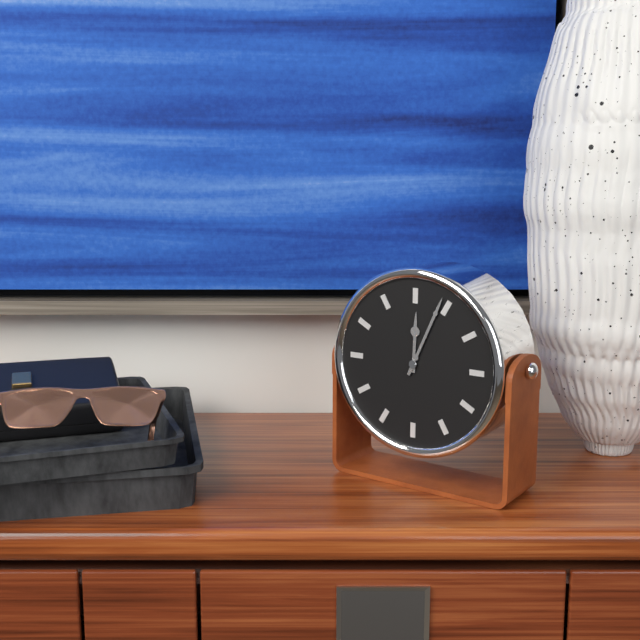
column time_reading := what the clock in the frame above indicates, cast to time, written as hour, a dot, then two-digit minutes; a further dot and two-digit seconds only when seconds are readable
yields 12.04
